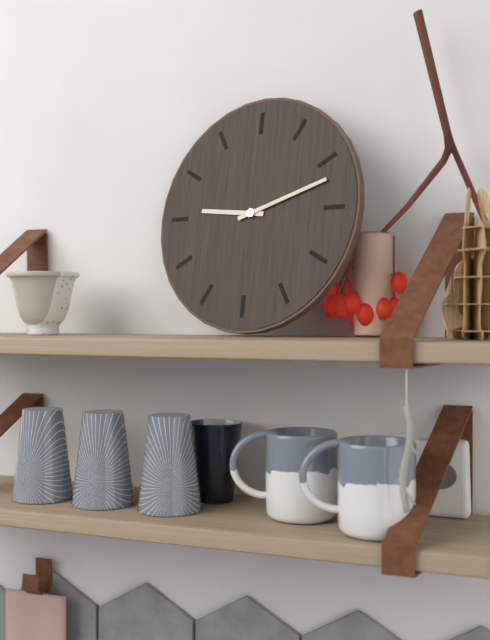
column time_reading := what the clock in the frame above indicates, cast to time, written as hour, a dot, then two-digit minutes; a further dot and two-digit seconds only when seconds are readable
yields 9.12
